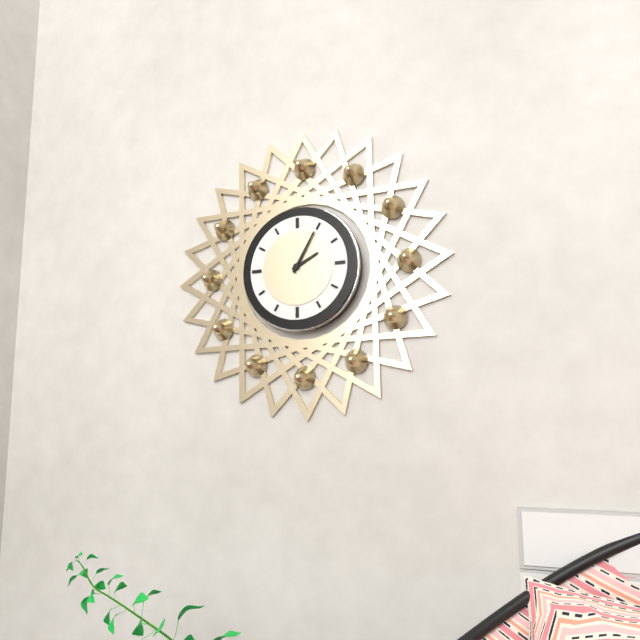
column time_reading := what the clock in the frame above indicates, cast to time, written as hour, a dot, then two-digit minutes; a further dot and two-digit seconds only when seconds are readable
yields 2.05
